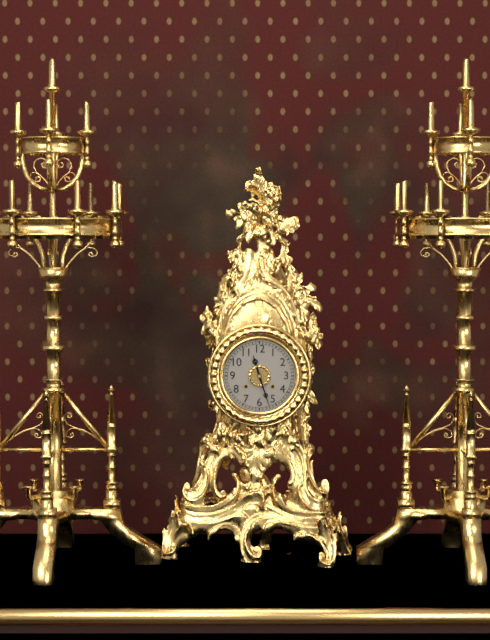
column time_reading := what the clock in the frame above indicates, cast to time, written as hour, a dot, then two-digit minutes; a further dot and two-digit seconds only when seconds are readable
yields 11.27
